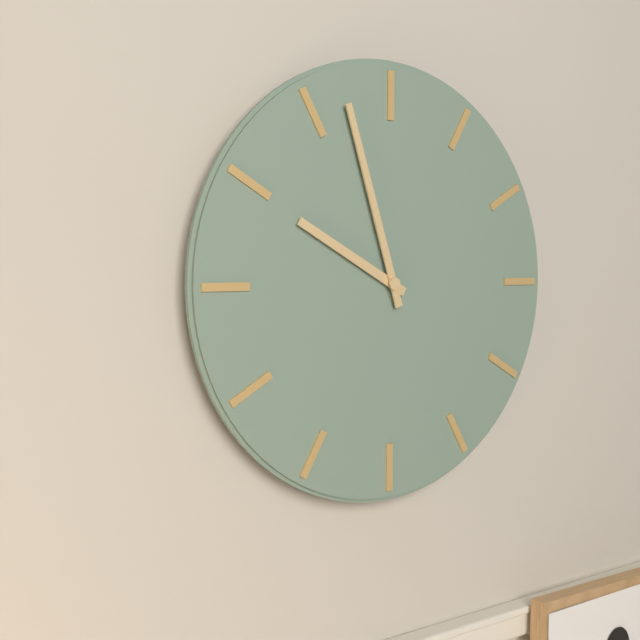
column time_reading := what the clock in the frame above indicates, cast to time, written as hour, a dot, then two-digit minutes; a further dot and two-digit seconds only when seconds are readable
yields 9.57
